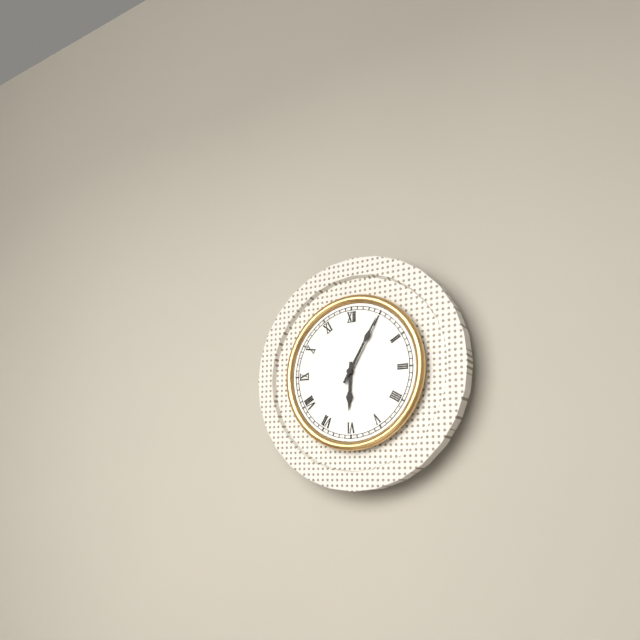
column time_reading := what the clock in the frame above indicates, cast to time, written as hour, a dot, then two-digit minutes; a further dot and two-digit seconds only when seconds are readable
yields 6.05
